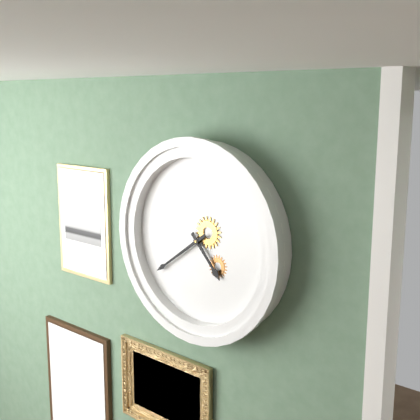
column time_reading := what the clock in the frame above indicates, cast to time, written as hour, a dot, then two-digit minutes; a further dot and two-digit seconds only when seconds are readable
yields 4.39
